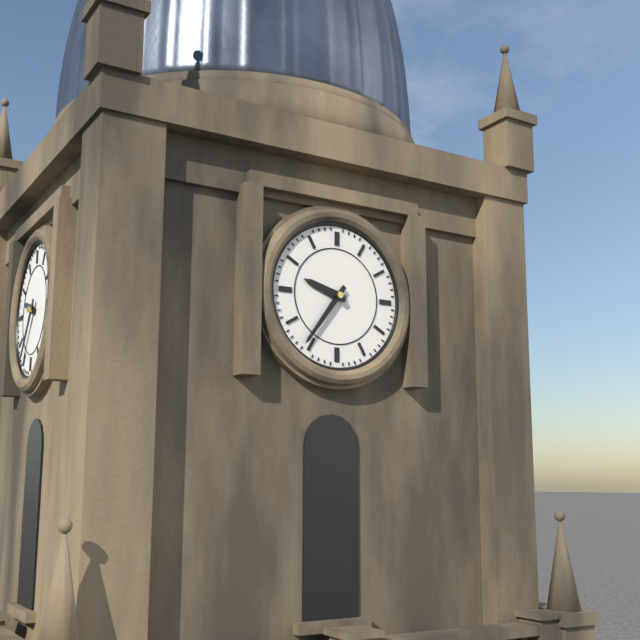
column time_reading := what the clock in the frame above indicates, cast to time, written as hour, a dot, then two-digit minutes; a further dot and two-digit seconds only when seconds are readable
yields 9.36
